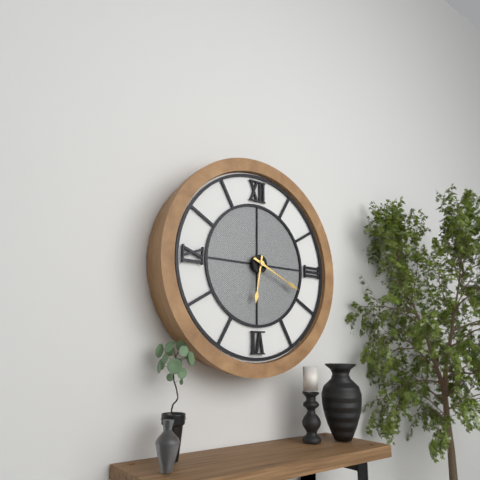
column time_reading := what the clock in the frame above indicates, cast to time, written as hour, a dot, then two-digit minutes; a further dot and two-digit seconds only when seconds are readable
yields 6.19
